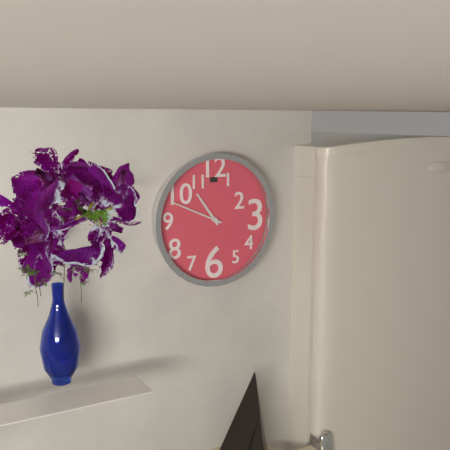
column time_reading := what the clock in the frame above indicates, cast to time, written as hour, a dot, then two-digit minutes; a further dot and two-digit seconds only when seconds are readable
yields 10.49
